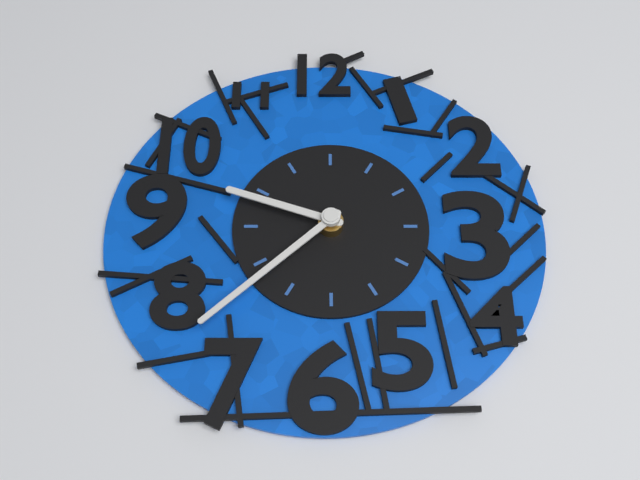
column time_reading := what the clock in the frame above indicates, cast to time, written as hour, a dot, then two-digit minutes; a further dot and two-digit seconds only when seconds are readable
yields 9.38
